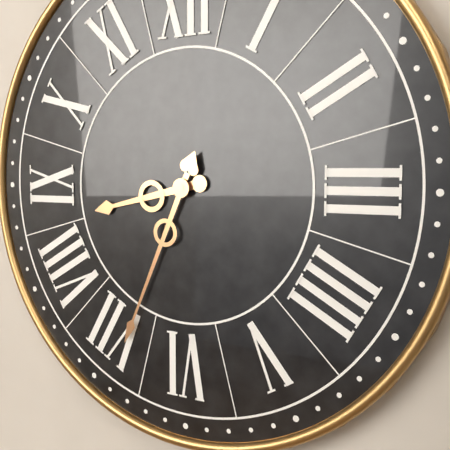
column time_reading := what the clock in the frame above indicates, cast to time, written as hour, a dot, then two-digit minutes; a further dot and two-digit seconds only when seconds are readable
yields 8.34
